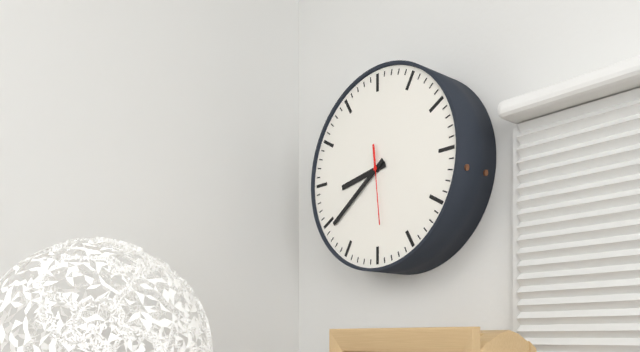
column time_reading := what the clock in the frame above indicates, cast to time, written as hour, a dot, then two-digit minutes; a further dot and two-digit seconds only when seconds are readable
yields 8.39.29
